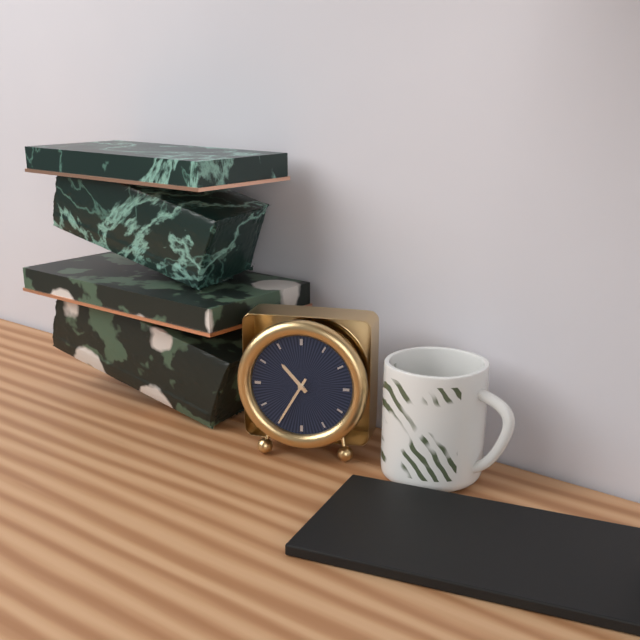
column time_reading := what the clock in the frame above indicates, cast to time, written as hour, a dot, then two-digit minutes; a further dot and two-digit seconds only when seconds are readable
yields 10.35
